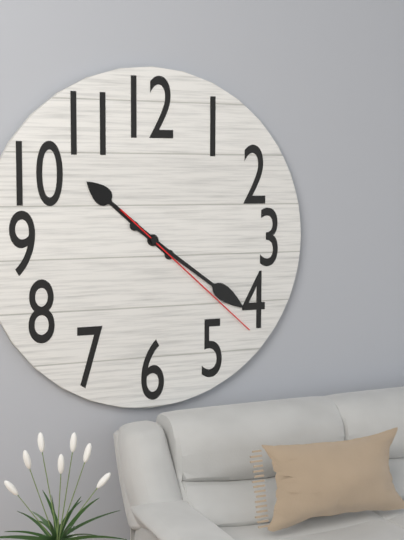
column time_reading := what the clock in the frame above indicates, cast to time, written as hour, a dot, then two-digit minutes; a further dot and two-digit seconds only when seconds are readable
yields 10.21.22
